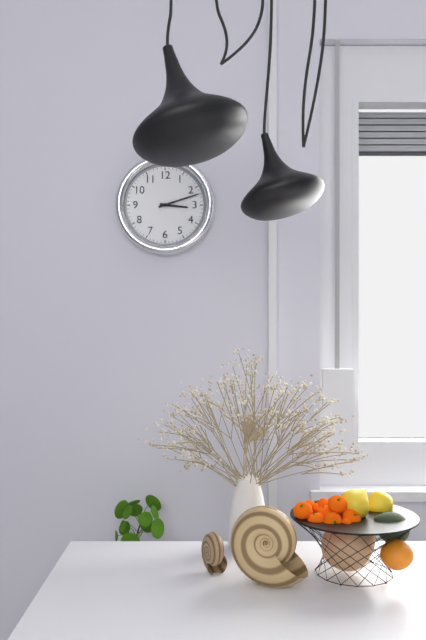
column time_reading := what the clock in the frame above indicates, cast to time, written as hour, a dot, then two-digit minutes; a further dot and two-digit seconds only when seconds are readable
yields 3.12
